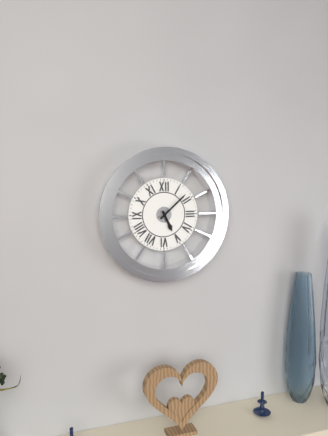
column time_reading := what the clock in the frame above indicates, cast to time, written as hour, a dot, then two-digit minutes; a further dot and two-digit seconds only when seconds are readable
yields 5.08
